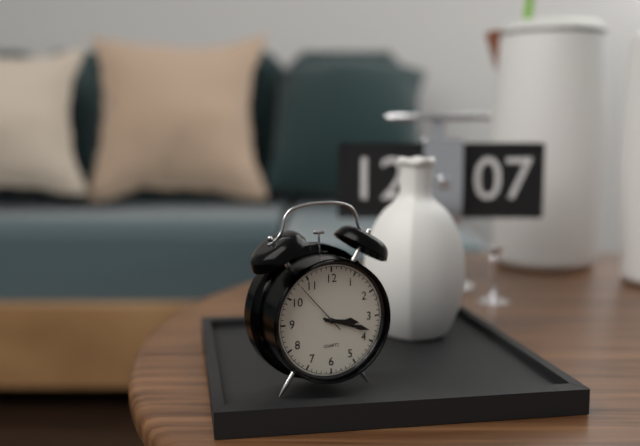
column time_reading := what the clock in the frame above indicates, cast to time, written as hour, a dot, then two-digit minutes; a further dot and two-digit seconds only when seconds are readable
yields 3.18.53
